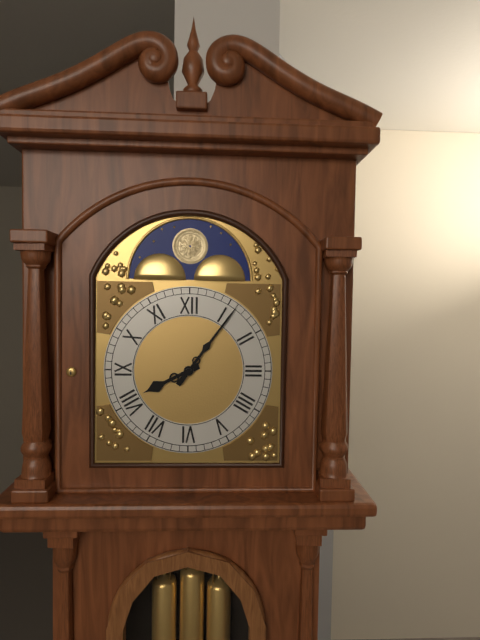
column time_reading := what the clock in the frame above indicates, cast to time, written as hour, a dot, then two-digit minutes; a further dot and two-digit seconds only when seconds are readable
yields 8.06
